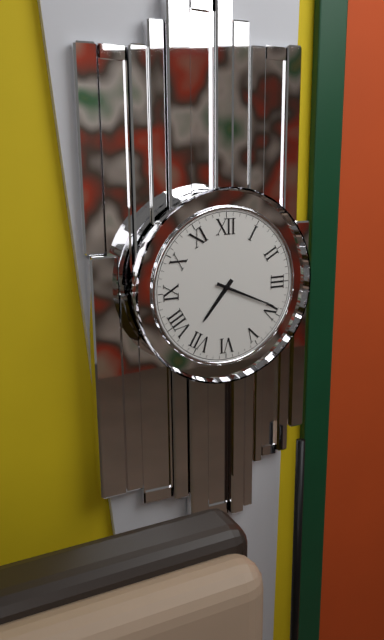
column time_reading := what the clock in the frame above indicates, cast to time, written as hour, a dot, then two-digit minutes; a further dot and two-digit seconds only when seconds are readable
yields 7.19
